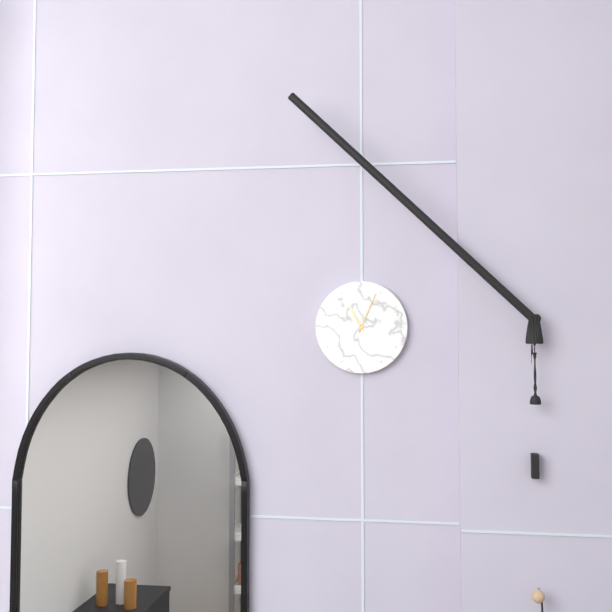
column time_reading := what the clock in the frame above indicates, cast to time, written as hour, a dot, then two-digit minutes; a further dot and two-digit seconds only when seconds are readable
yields 11.04
